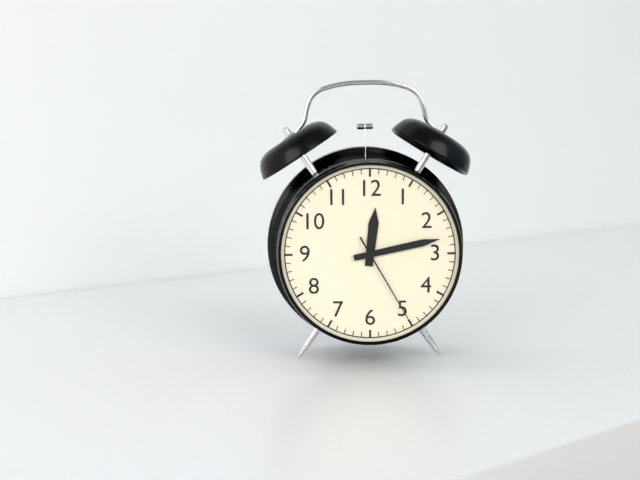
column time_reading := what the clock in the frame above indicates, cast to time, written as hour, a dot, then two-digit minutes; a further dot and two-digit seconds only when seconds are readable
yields 12.13.25
